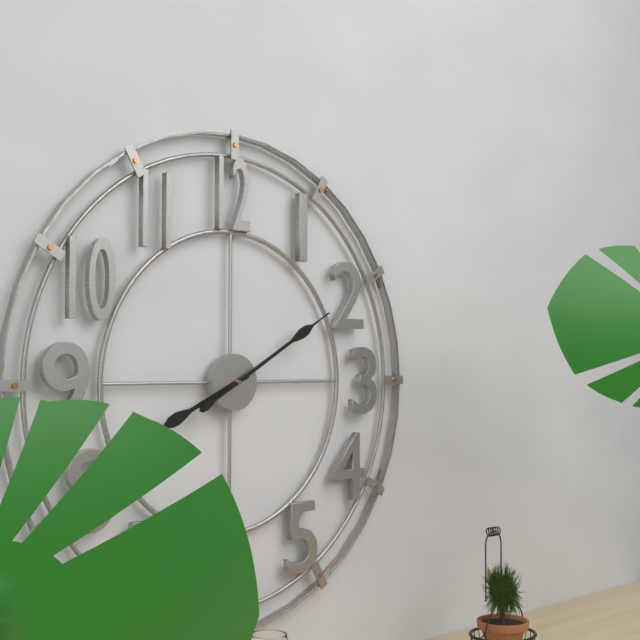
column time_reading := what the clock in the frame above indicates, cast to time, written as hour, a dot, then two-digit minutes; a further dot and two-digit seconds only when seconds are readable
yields 8.10
